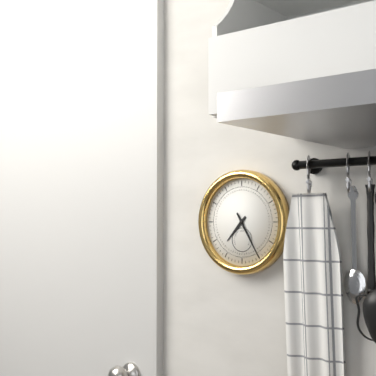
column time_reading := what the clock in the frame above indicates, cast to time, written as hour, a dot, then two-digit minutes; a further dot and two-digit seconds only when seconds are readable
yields 7.25
